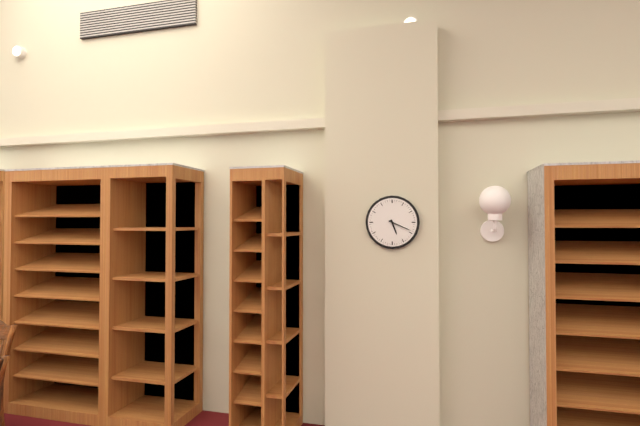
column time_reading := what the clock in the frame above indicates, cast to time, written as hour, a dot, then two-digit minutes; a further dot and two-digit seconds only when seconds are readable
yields 5.19
